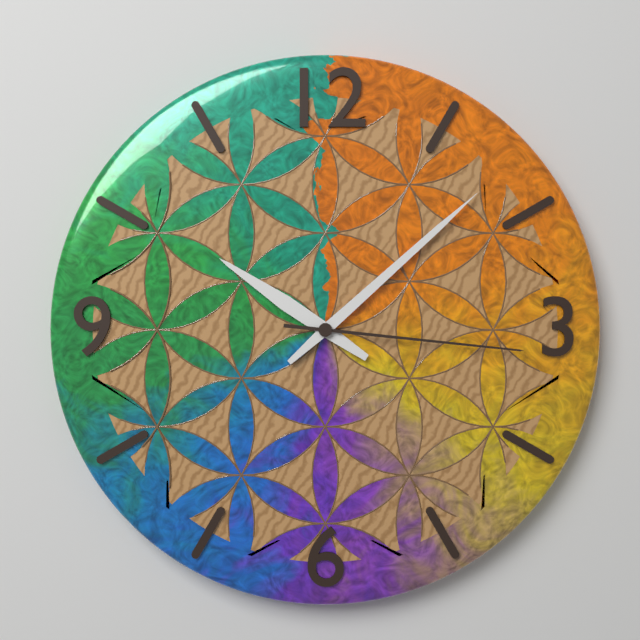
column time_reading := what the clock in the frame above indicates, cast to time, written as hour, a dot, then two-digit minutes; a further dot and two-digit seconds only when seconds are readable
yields 10.08.16
